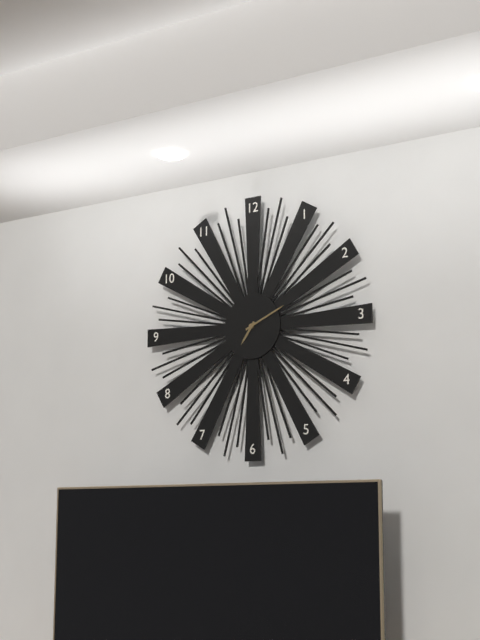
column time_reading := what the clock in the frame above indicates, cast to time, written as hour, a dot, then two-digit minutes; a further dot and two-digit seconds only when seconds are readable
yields 7.11
